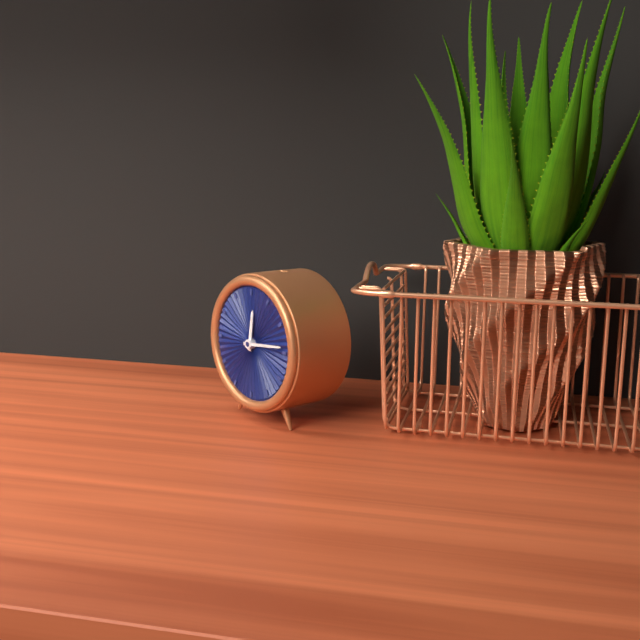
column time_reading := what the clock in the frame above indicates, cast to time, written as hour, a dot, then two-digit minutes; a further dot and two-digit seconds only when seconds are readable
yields 12.14
